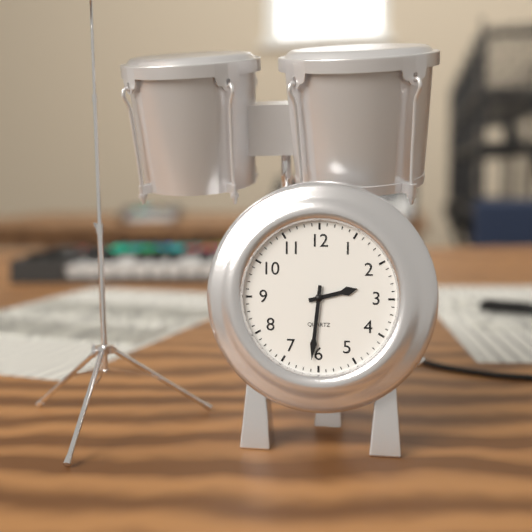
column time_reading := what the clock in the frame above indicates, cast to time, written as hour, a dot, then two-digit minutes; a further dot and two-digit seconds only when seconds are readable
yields 2.31
